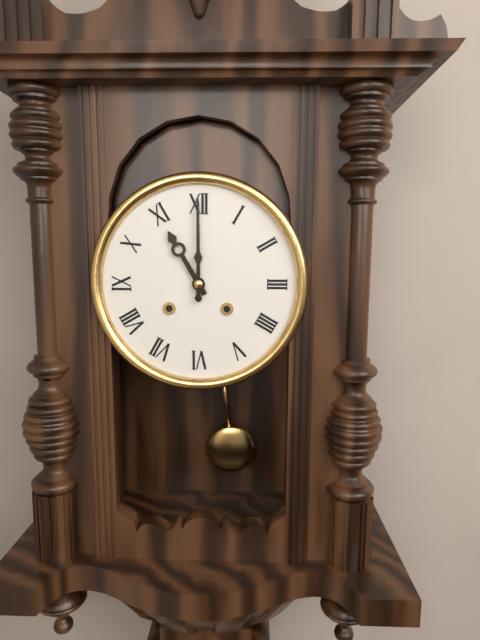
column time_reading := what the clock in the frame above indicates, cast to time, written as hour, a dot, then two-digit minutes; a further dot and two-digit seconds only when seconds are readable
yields 11.00
